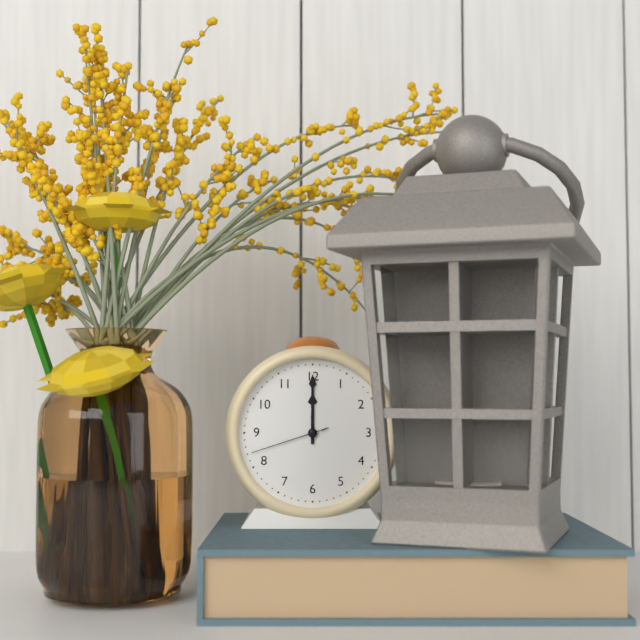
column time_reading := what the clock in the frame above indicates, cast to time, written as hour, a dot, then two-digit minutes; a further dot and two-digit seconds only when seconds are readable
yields 12.00.42
